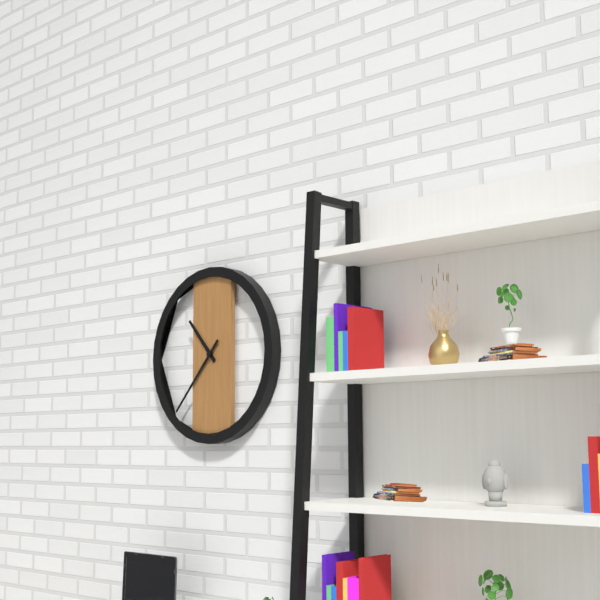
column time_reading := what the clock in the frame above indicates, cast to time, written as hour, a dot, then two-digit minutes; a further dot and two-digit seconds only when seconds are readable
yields 10.37
